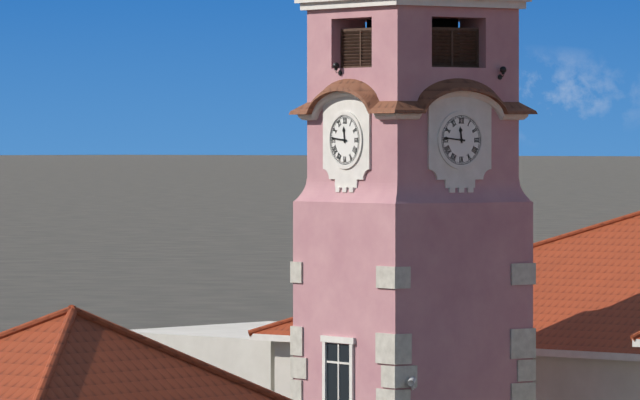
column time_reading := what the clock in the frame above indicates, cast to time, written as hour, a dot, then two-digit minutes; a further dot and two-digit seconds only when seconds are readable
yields 11.46
